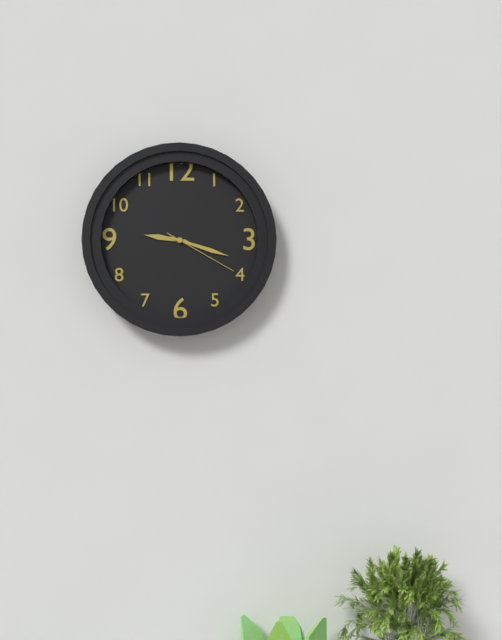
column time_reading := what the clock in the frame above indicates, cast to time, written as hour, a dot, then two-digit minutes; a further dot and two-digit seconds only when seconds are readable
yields 9.18.20
